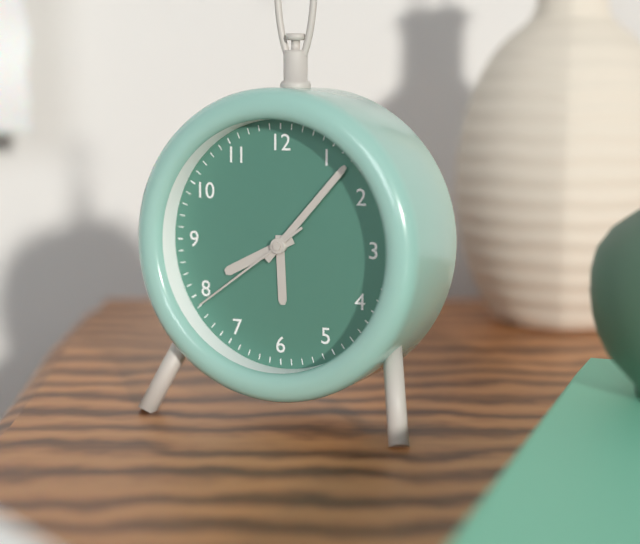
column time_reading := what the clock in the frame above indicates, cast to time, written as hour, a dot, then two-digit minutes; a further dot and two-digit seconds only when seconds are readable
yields 8.07.39
